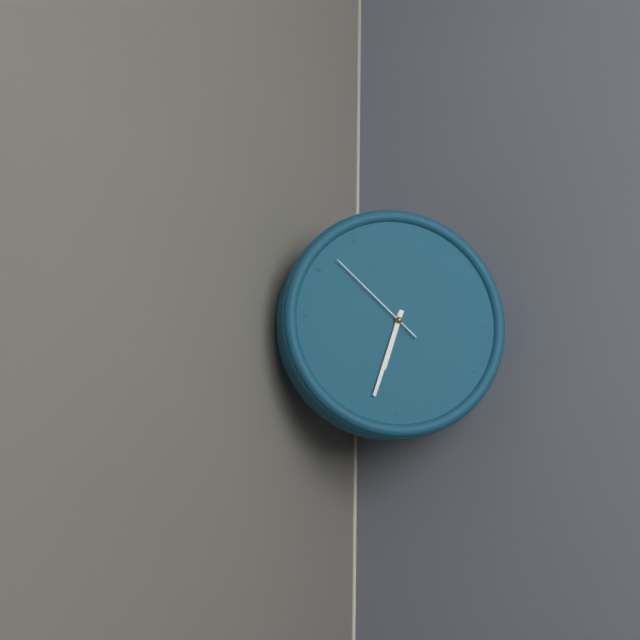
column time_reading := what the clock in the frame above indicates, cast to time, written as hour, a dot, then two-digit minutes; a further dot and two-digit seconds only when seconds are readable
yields 6.33.52
